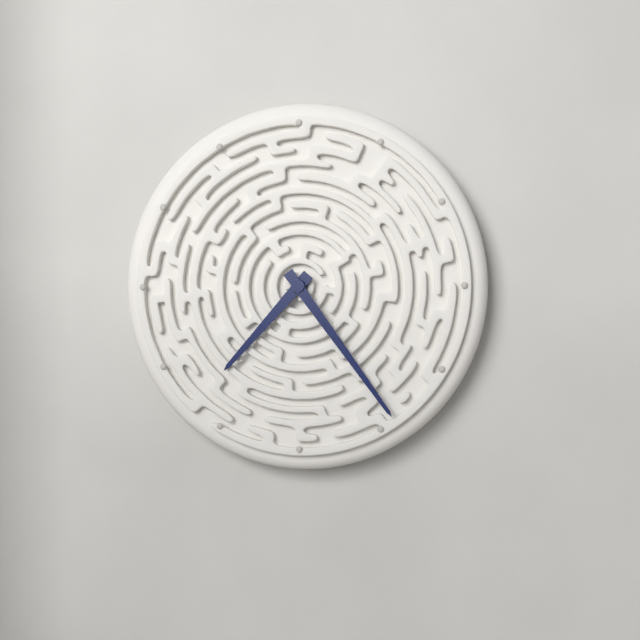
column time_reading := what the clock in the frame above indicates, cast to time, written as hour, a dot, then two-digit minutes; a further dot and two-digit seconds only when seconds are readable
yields 7.24
